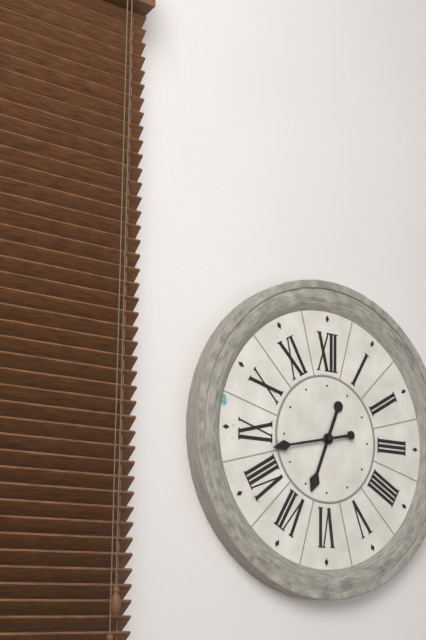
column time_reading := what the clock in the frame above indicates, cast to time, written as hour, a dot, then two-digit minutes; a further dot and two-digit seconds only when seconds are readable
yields 6.43
